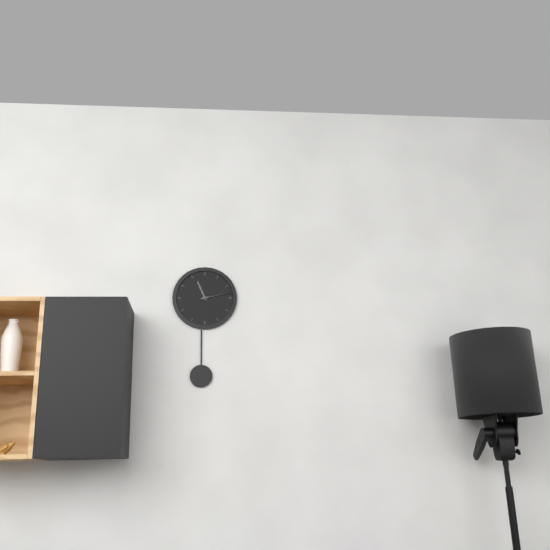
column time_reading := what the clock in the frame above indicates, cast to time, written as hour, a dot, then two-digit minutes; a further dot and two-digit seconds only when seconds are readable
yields 11.13
